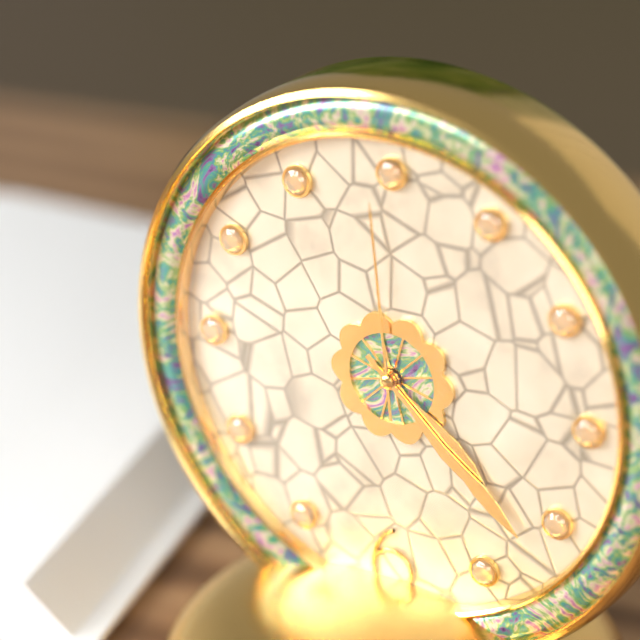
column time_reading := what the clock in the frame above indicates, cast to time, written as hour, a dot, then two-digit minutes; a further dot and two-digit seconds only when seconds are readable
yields 4.22.59
